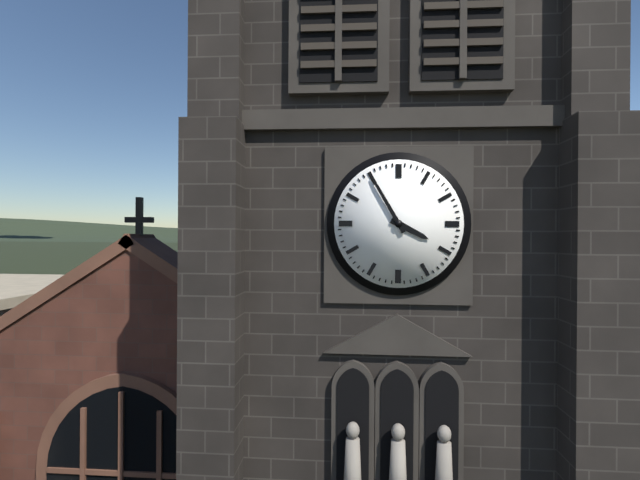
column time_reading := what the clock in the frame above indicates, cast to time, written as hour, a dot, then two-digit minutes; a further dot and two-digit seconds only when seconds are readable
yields 3.55
